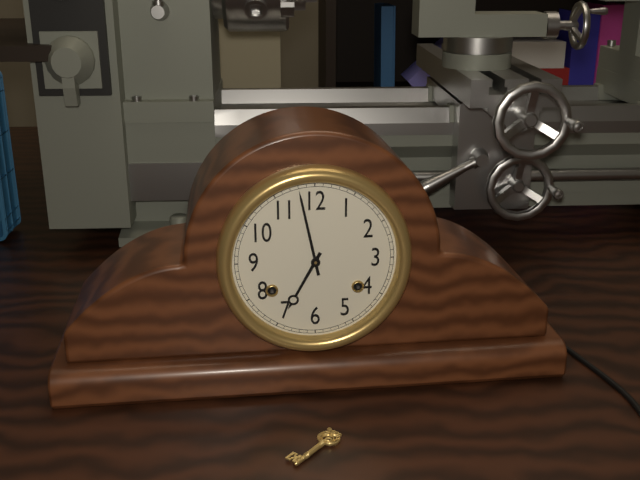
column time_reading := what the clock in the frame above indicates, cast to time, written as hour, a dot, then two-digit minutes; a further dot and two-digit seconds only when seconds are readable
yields 6.58
